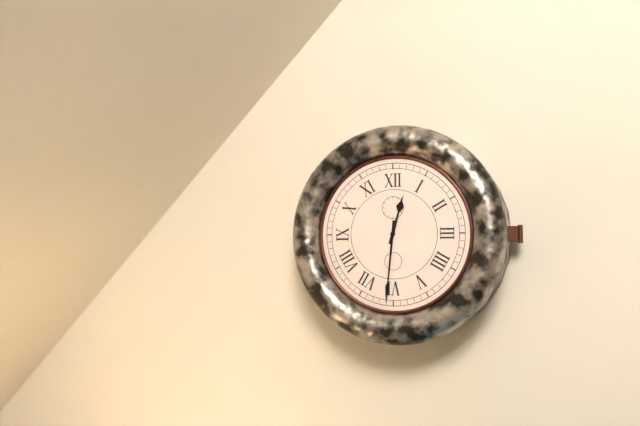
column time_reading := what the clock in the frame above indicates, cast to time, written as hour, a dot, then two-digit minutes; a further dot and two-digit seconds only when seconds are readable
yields 12.31
